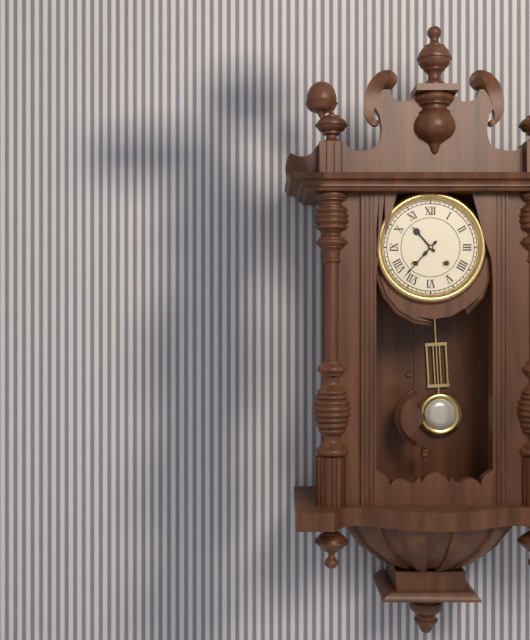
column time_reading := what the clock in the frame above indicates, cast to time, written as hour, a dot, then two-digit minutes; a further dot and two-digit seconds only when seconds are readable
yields 10.37
